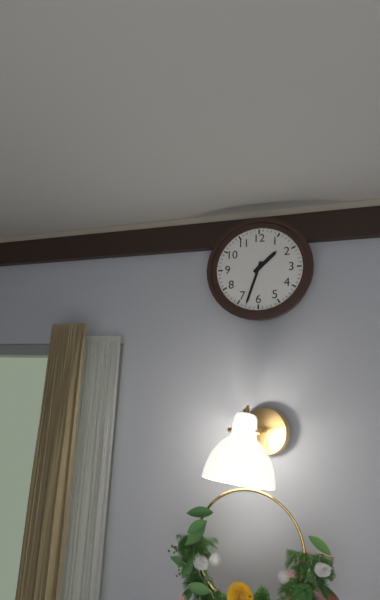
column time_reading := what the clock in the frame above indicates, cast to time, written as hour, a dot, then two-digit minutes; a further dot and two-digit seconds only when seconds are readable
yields 1.33
